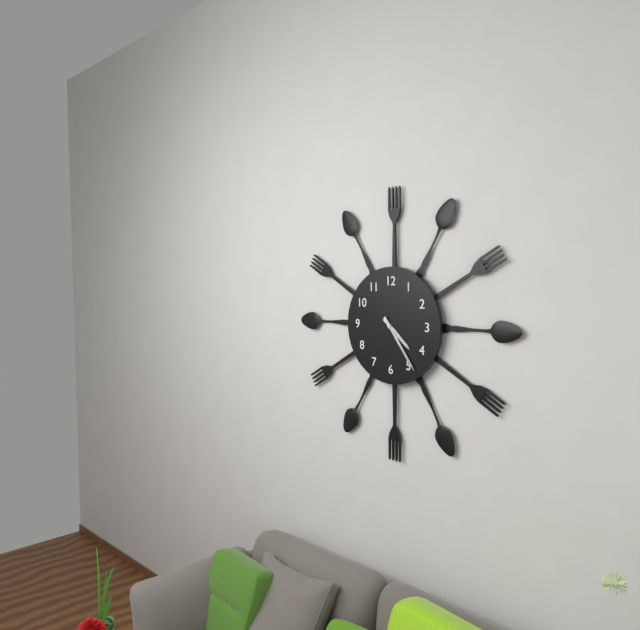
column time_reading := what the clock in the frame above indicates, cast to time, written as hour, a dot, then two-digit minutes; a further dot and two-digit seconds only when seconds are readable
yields 4.24
